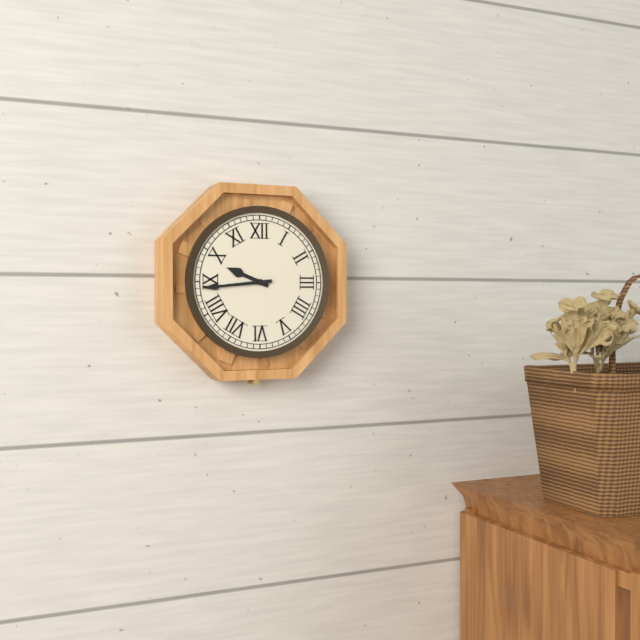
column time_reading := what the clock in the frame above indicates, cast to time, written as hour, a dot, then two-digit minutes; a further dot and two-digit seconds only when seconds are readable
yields 9.44
